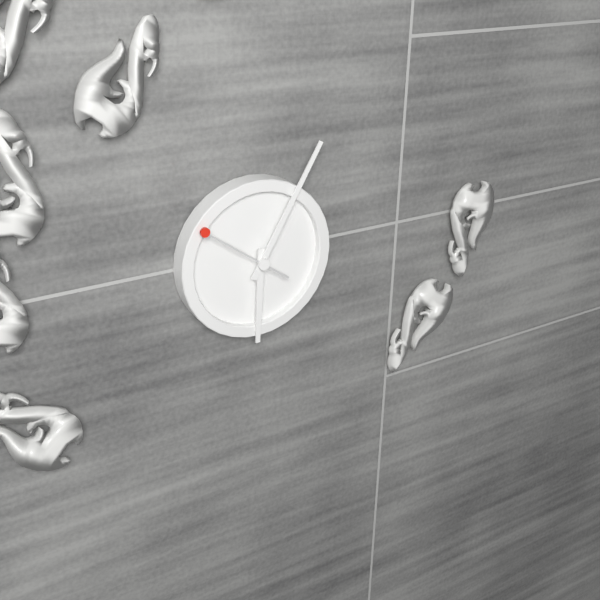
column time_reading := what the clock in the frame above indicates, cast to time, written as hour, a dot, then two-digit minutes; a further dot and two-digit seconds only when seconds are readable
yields 6.05.51
